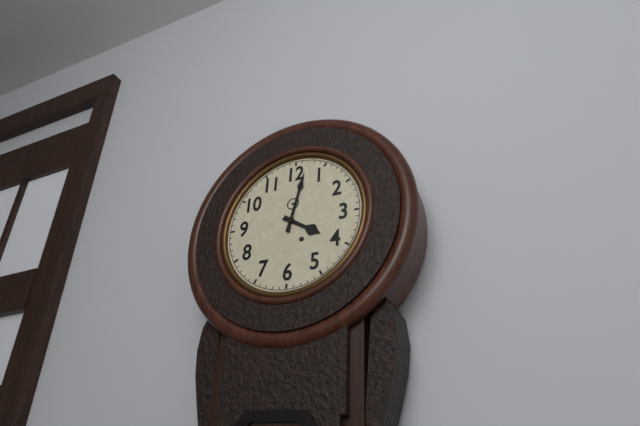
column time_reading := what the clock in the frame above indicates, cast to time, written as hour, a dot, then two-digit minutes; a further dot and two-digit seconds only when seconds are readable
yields 4.02
